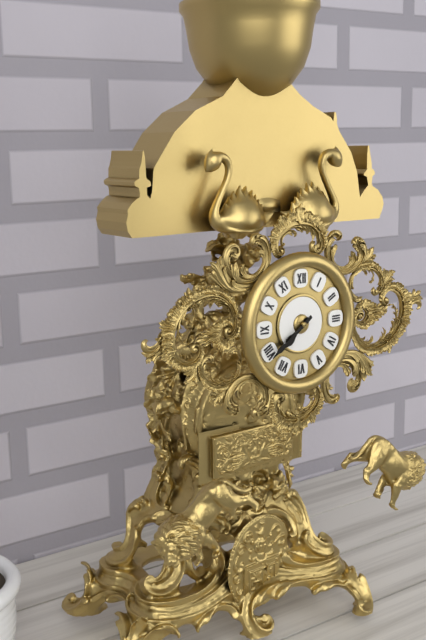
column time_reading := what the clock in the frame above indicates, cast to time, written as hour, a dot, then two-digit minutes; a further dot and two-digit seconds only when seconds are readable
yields 7.39
